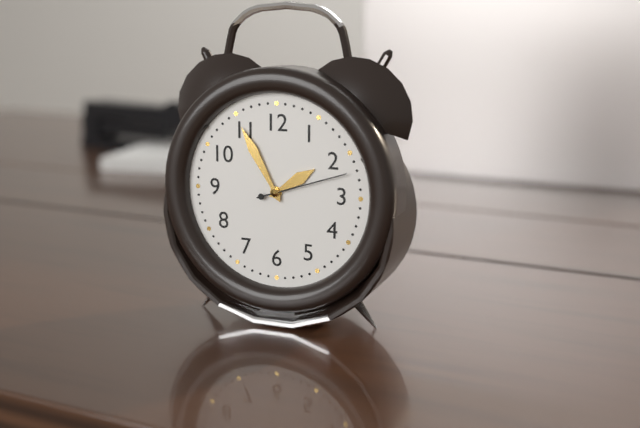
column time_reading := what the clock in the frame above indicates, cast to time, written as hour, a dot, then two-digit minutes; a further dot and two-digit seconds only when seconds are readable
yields 1.55.12
